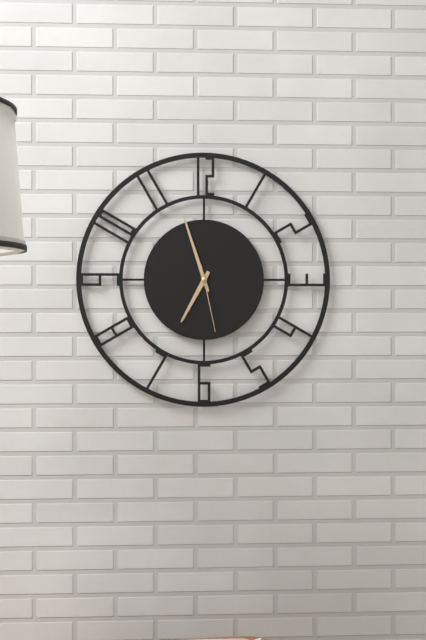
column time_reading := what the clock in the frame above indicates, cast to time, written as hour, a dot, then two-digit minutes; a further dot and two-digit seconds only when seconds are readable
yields 6.57.28
